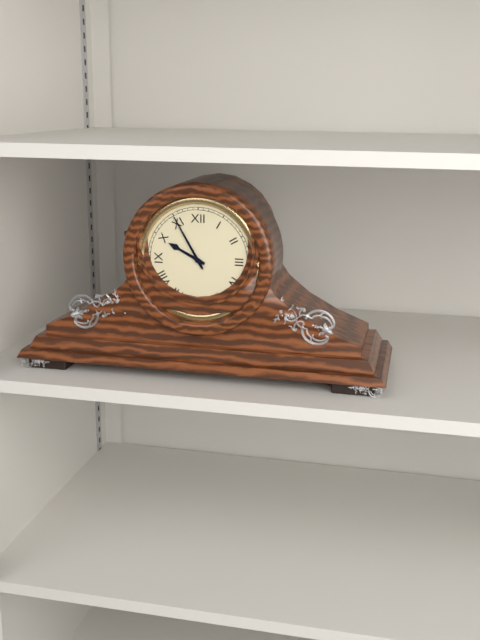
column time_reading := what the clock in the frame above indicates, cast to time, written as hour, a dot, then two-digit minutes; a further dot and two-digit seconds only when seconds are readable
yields 9.55
